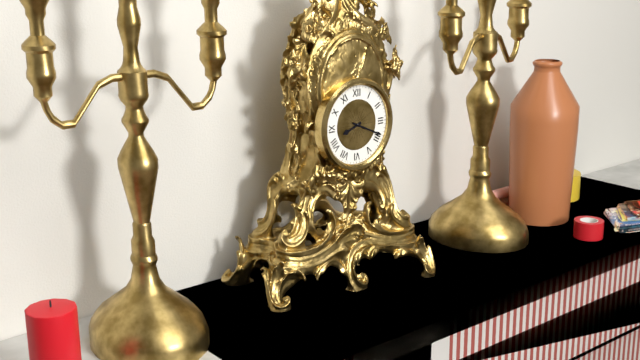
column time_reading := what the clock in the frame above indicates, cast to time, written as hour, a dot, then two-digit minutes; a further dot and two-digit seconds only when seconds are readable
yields 8.19
